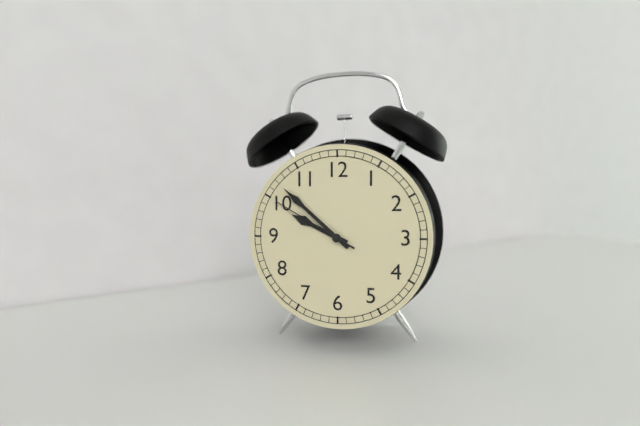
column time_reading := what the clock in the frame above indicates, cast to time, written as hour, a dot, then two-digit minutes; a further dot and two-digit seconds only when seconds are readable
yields 9.52.50
